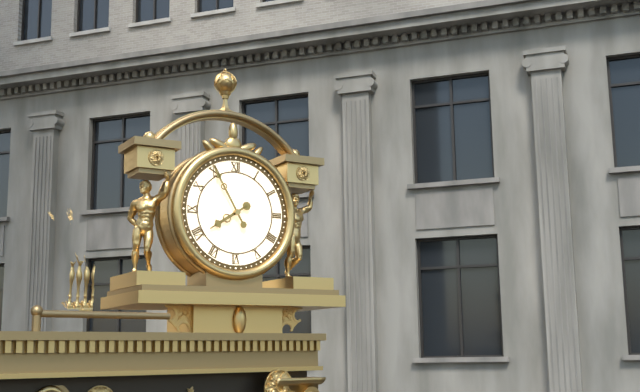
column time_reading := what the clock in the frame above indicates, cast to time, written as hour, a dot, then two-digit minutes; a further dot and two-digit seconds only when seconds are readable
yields 7.55
